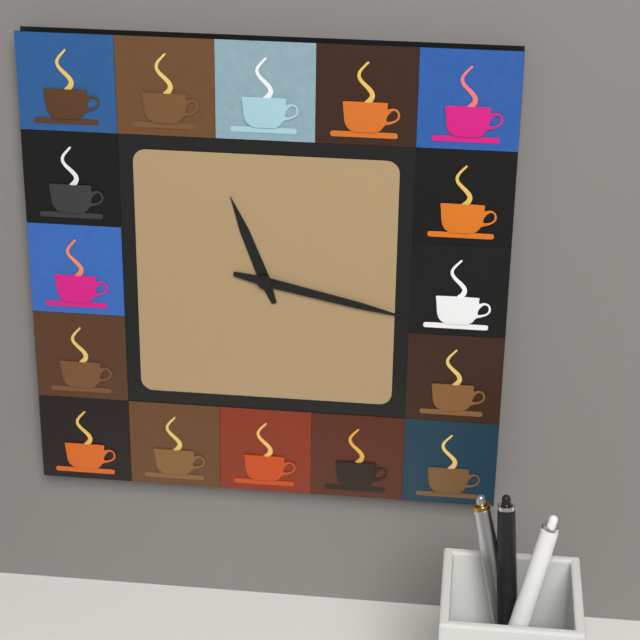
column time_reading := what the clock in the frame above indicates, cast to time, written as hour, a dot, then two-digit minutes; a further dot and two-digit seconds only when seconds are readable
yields 11.17
